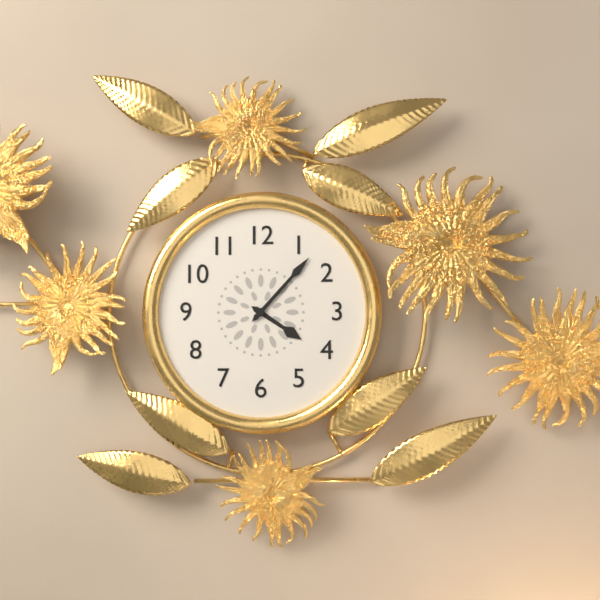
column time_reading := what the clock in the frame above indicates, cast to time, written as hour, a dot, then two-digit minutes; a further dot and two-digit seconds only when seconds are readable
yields 4.07
